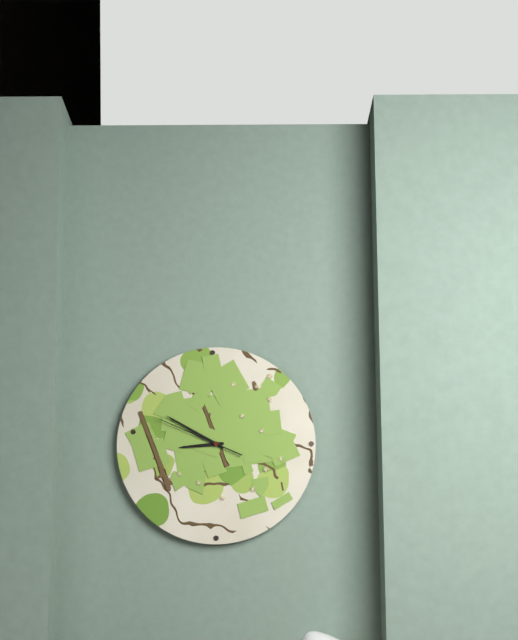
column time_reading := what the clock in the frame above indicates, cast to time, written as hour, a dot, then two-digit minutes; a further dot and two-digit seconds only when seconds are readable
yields 8.50.49
